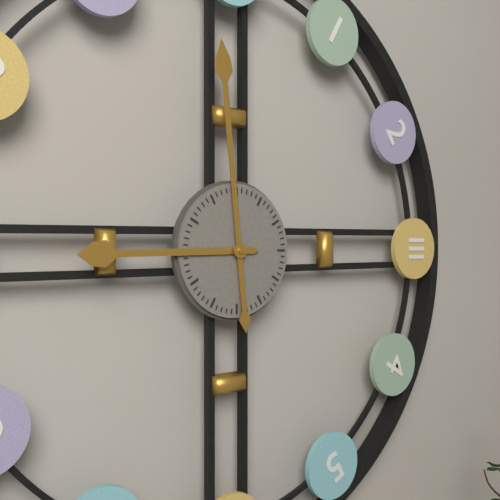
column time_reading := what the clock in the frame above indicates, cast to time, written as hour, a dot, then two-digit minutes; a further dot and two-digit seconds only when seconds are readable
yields 8.59
